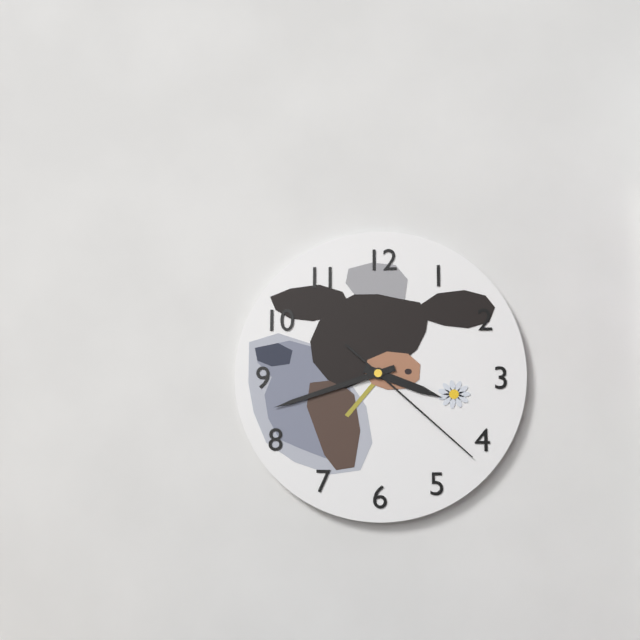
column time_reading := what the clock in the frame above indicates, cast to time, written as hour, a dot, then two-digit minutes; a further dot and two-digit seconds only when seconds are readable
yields 3.42.22
